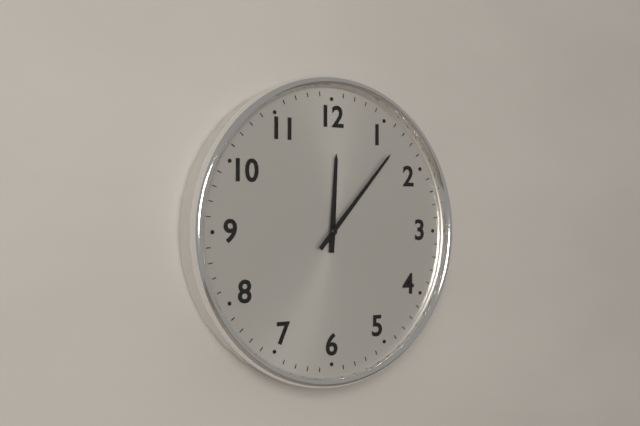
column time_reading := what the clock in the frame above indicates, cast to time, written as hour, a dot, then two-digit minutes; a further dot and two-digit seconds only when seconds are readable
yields 12.07
